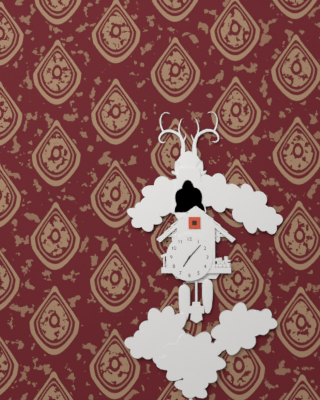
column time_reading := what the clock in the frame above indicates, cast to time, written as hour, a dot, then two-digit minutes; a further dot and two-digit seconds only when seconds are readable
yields 7.07
